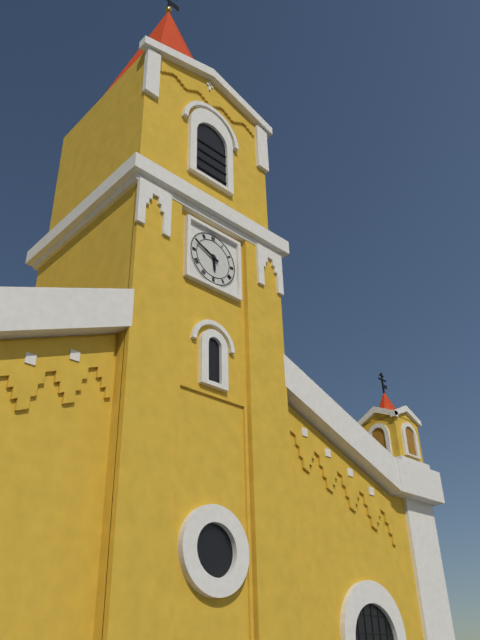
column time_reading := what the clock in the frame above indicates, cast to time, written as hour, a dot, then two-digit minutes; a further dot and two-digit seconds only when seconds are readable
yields 5.49
